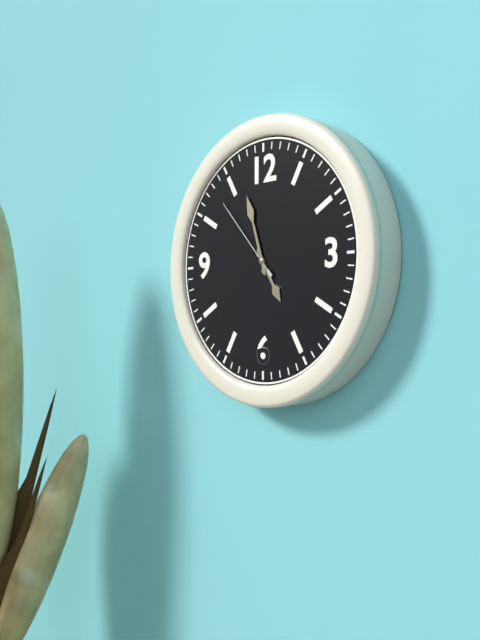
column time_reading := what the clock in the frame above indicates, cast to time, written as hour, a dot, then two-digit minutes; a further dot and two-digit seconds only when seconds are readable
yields 4.57.53
